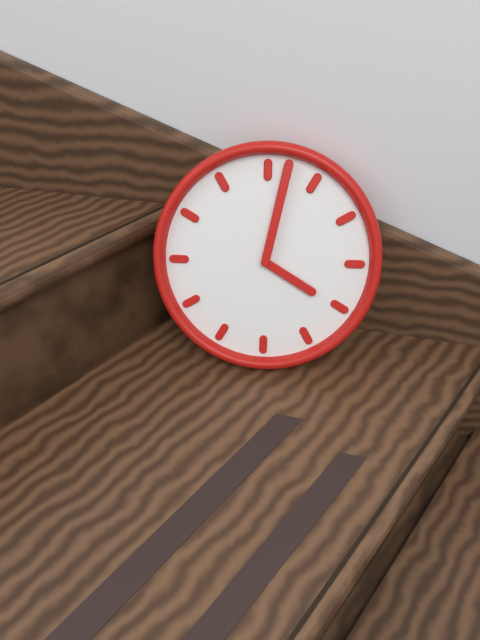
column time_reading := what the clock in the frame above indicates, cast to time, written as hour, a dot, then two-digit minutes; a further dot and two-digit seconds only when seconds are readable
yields 4.02
